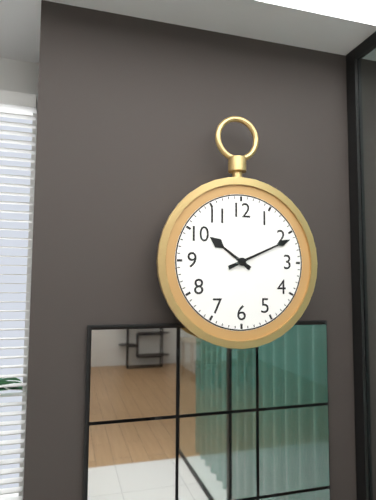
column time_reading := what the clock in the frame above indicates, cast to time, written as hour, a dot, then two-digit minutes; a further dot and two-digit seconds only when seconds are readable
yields 10.11
